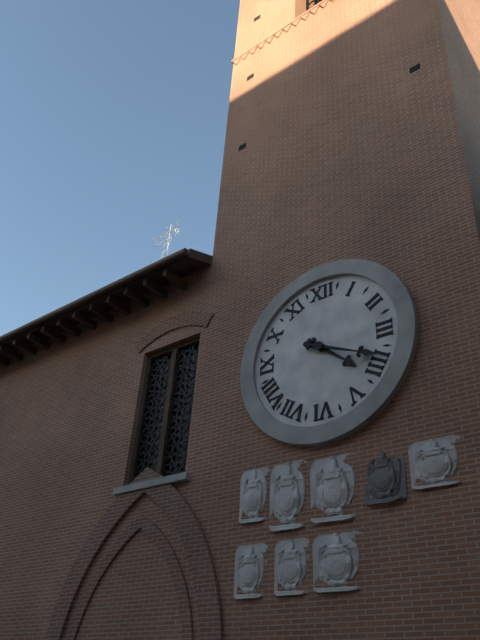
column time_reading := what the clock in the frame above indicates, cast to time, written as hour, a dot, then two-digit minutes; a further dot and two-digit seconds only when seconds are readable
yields 4.19
